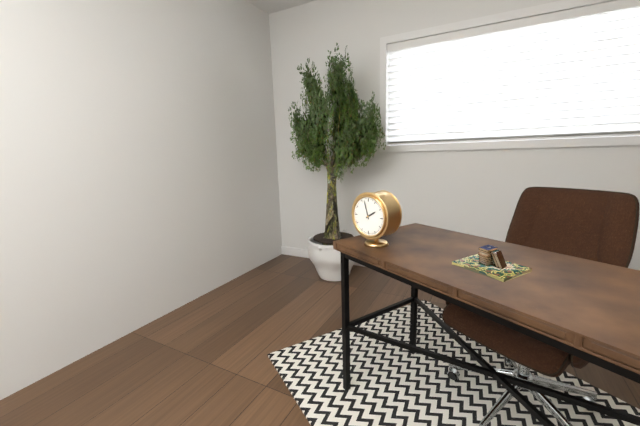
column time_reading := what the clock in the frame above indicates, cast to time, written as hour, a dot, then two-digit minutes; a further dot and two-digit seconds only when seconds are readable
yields 1.57
